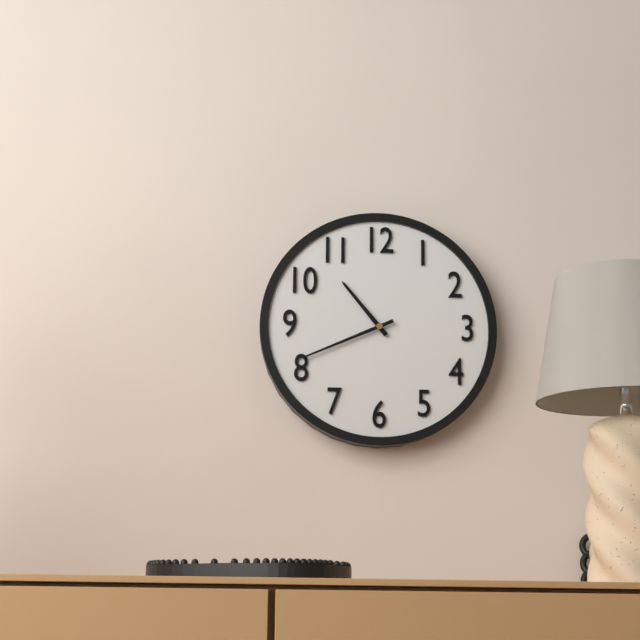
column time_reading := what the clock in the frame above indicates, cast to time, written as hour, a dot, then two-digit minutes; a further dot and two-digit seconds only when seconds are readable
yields 10.41
